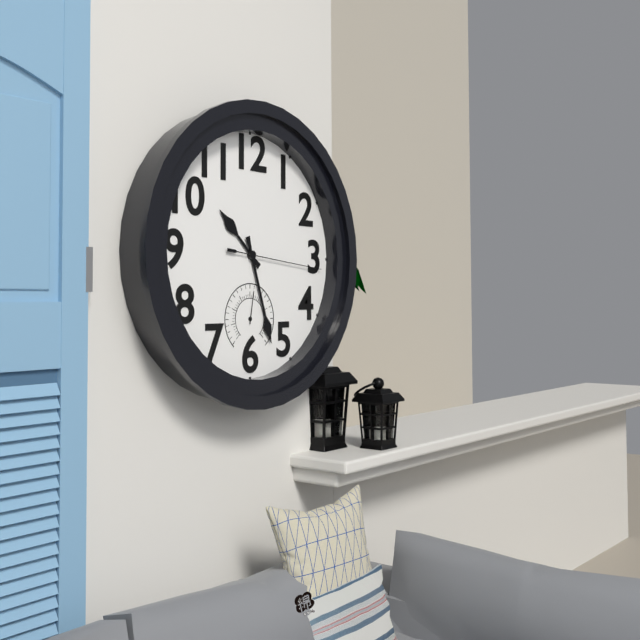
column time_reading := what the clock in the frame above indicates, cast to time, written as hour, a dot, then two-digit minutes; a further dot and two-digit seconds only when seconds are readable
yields 10.27.16
